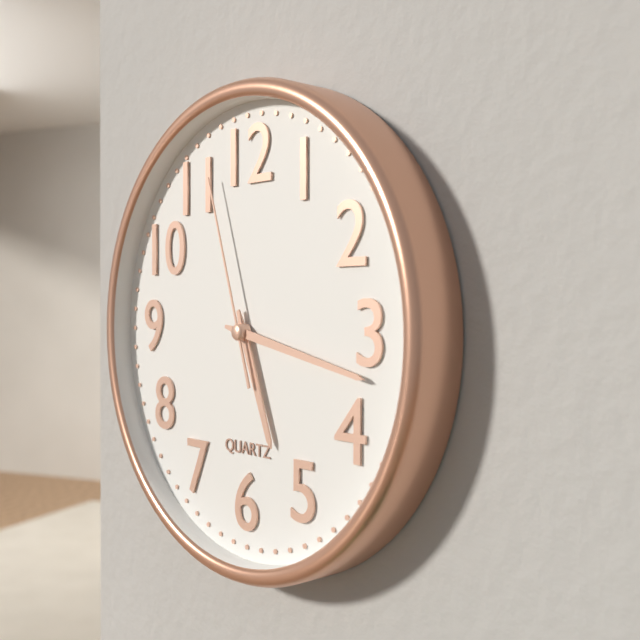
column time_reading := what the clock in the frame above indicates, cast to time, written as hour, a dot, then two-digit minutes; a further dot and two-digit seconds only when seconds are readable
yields 5.17.57
